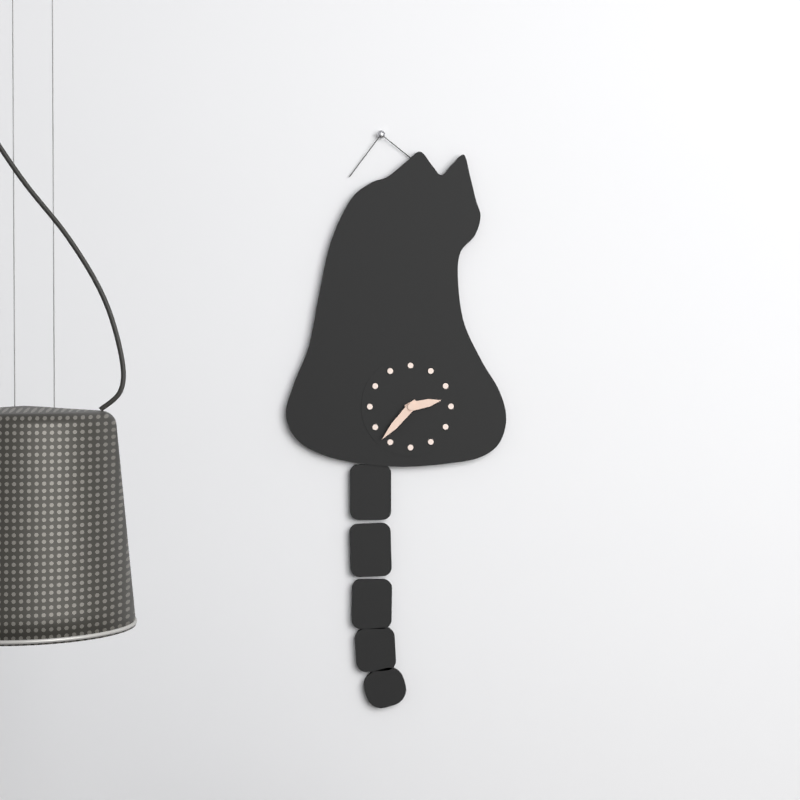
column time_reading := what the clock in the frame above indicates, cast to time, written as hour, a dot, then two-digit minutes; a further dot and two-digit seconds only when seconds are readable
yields 2.37
